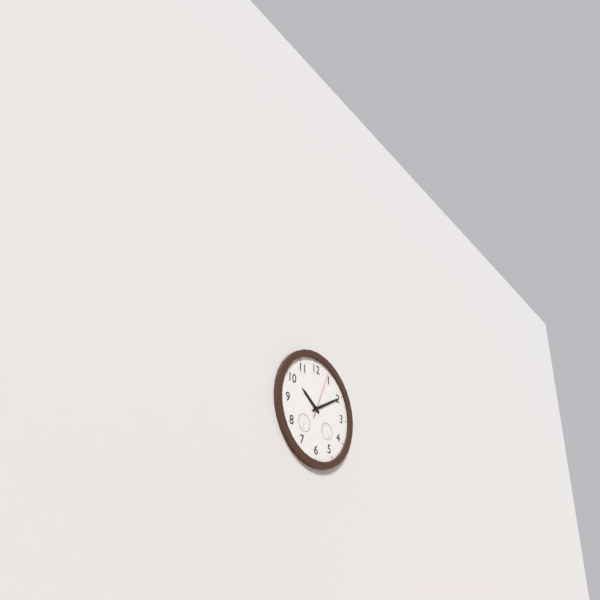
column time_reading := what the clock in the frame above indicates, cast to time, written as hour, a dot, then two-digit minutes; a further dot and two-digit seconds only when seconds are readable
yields 10.10
